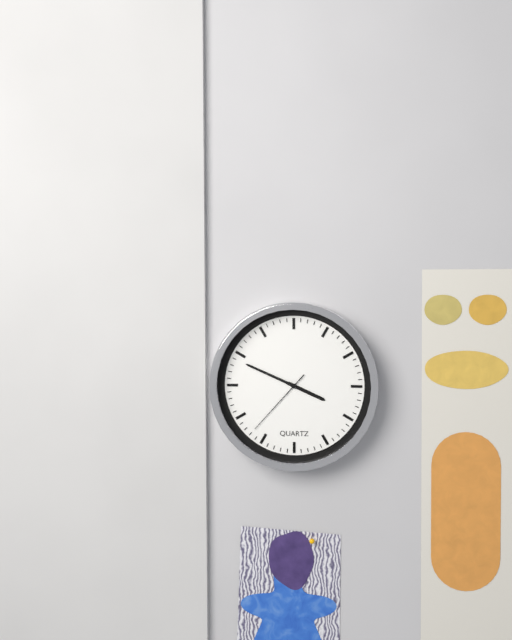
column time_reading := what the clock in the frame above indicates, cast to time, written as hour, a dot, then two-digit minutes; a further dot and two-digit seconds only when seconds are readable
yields 3.49.37
